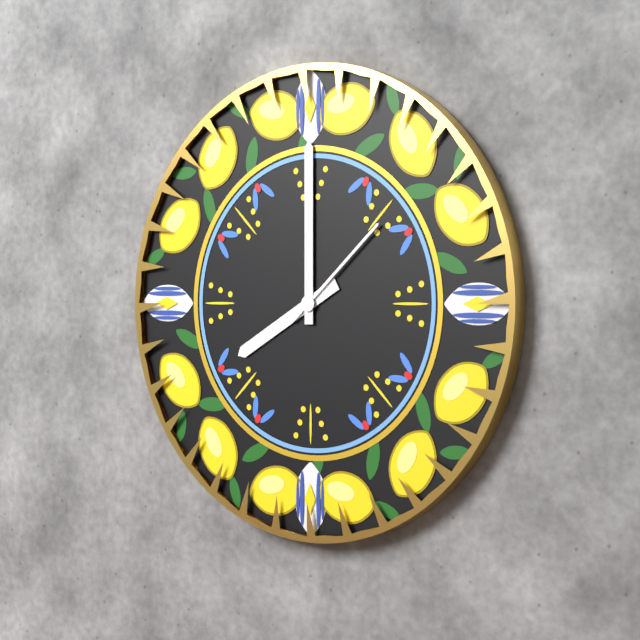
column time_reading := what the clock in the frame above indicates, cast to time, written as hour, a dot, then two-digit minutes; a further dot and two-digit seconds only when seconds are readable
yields 8.00.08
